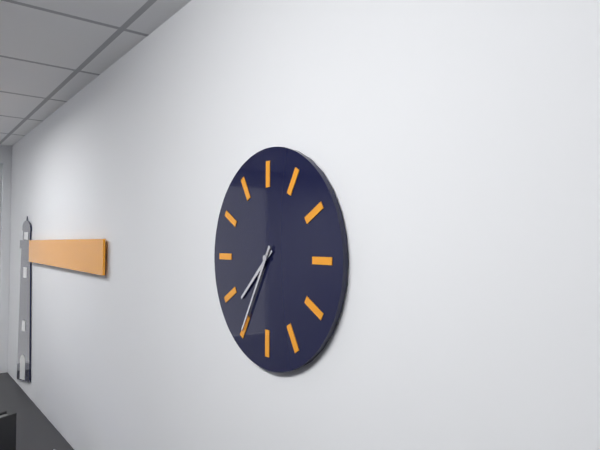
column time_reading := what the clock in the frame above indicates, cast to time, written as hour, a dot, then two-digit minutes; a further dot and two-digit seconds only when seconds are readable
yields 7.35
